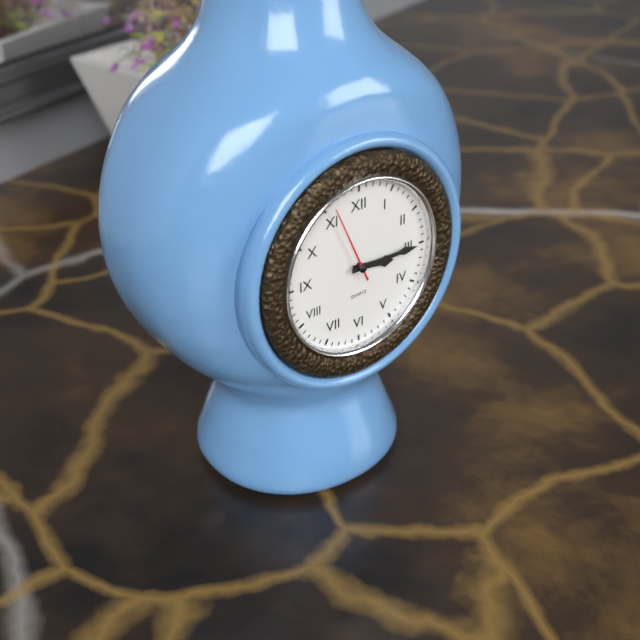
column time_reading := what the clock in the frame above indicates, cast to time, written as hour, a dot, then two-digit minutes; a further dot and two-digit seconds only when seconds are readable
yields 3.15.56
